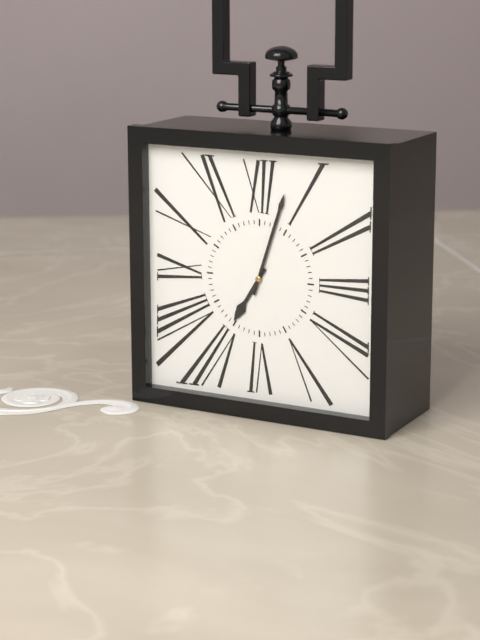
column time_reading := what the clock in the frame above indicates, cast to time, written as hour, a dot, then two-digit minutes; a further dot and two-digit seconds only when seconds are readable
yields 7.03
